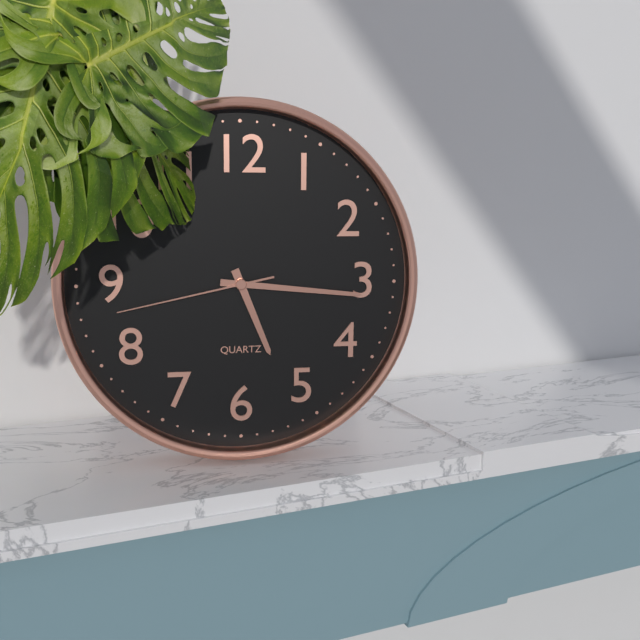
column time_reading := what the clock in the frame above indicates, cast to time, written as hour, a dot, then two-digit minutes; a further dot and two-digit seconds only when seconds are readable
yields 5.16.43
